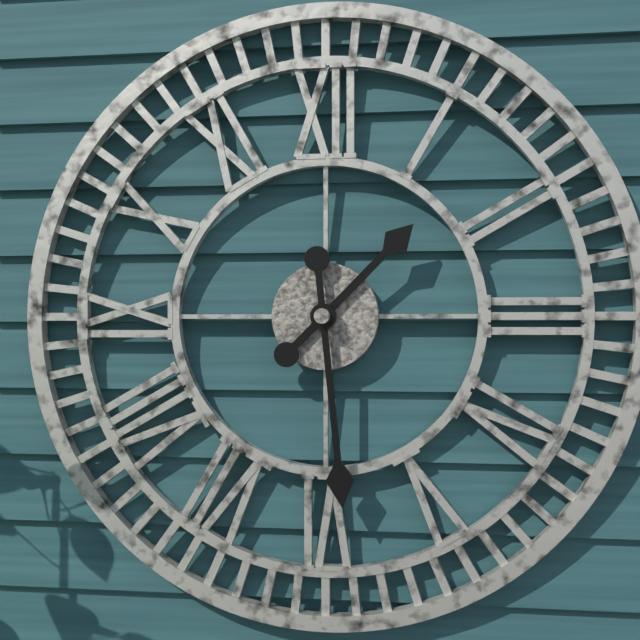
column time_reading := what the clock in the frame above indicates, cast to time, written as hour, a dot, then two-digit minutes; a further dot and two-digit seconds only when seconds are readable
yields 1.29
